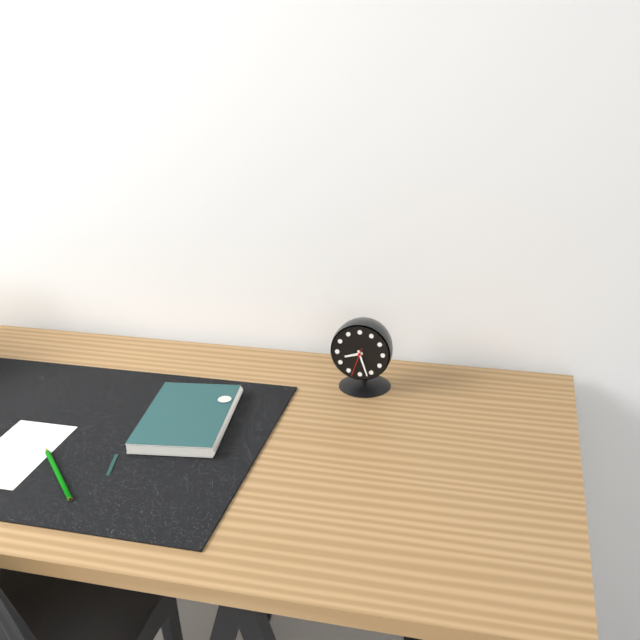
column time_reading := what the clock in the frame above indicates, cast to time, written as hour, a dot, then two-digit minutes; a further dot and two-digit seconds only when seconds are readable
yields 8.27
